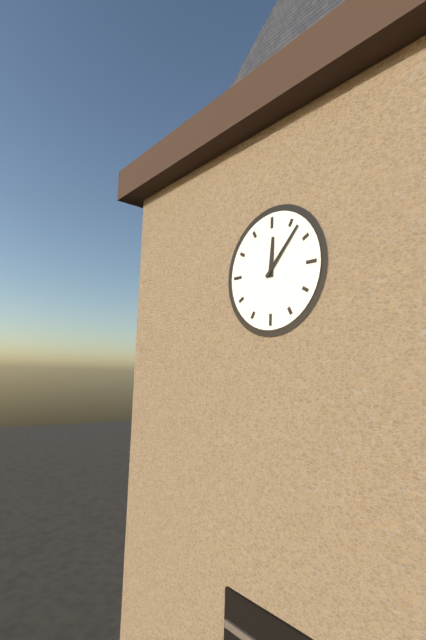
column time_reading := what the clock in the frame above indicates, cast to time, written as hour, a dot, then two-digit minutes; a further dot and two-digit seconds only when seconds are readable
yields 12.07
